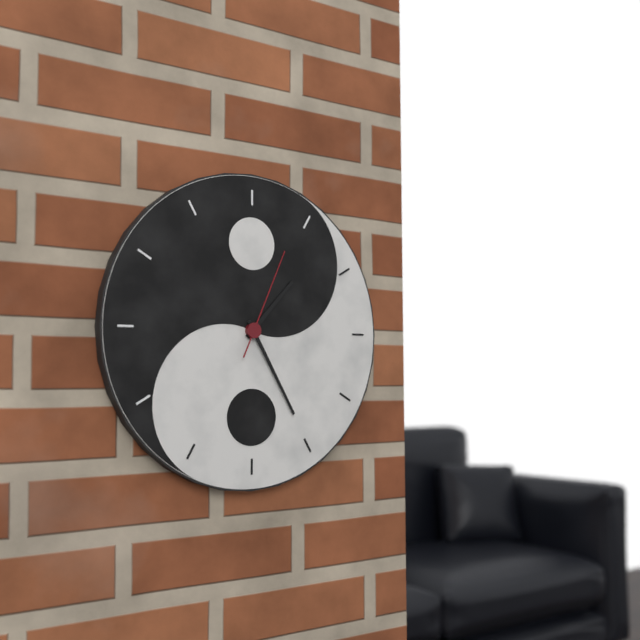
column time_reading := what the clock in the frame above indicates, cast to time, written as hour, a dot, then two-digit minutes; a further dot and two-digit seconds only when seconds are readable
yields 1.25.04
